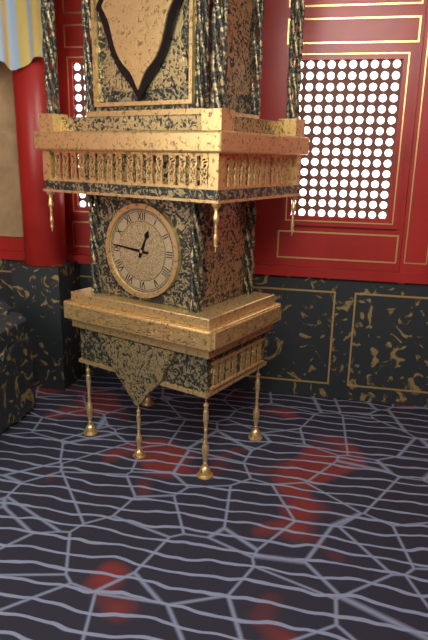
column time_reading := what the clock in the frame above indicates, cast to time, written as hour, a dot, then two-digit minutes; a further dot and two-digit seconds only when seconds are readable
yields 12.46
